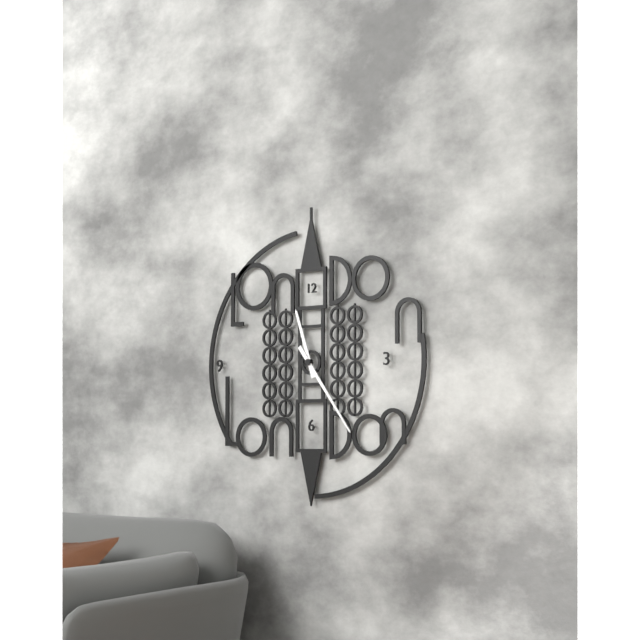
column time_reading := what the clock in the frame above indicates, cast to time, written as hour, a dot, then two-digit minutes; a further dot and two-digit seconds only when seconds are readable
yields 11.24
